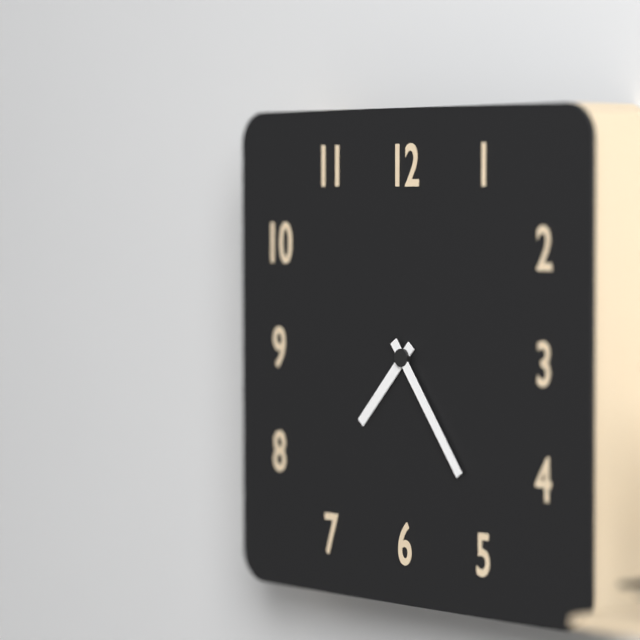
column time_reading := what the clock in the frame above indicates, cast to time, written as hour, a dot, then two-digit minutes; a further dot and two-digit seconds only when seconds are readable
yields 7.24
